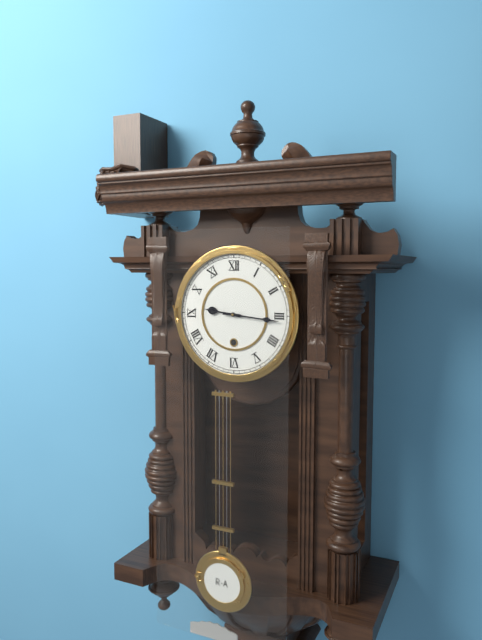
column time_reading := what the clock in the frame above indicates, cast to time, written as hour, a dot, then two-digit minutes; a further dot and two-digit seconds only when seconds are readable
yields 9.16
